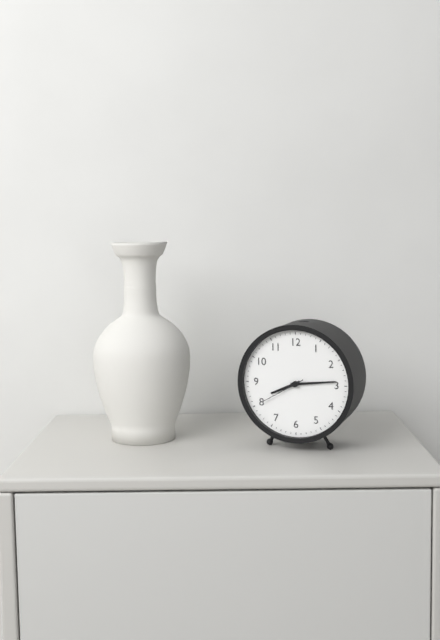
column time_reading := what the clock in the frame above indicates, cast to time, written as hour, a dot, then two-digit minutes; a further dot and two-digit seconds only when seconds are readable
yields 8.14
